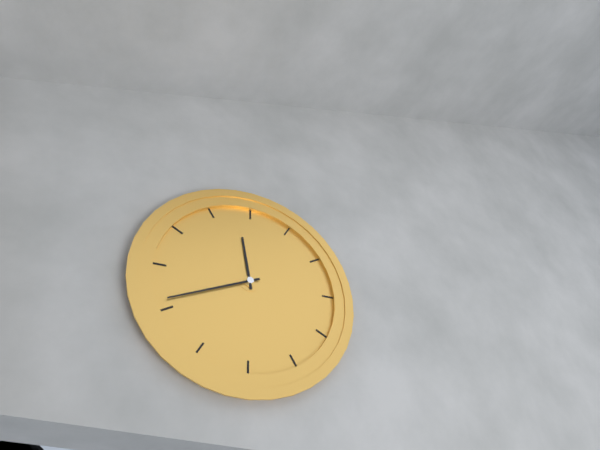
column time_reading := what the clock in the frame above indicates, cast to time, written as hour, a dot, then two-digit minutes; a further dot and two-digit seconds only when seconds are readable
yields 11.41
